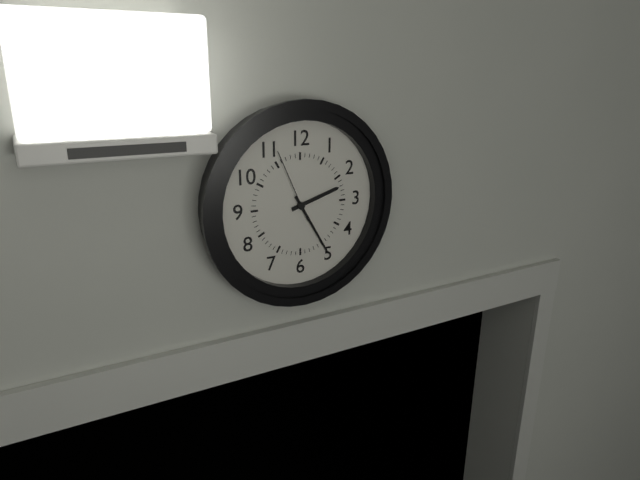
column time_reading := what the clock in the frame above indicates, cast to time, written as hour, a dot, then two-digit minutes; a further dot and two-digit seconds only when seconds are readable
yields 2.25.56
